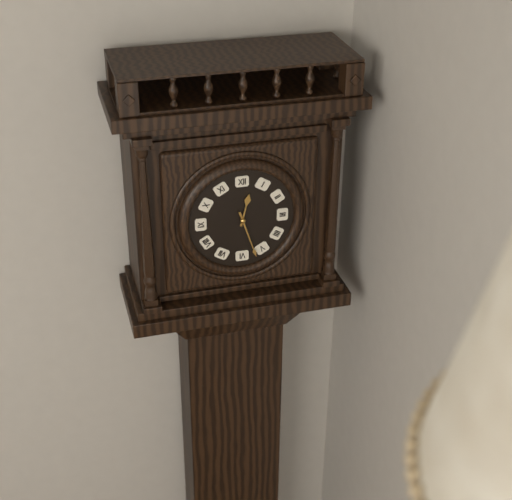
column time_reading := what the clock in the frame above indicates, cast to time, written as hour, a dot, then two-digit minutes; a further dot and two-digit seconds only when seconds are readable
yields 12.27
